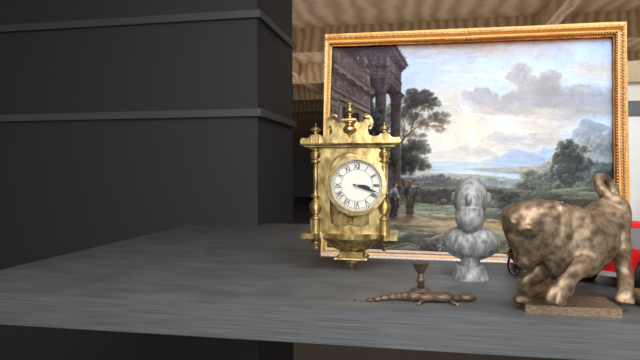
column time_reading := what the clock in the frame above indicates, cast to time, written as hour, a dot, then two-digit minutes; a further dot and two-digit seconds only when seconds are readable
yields 3.18
